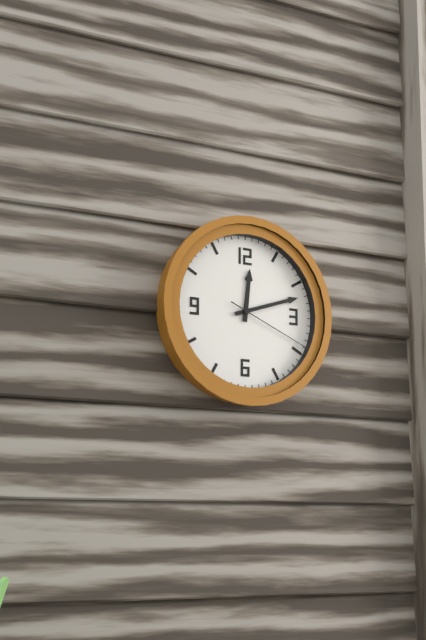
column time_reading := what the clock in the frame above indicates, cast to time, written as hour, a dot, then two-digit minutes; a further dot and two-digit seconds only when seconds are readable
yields 12.12.19
